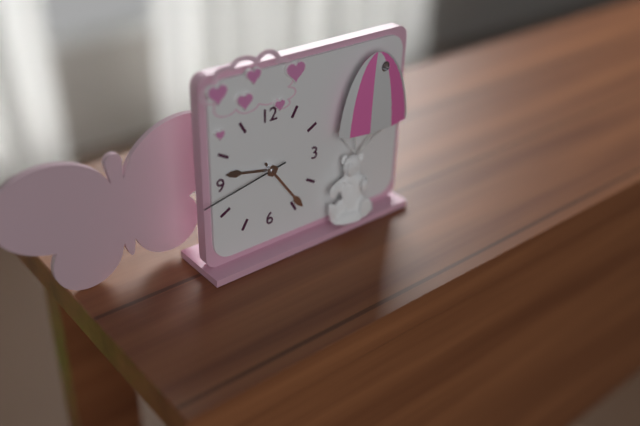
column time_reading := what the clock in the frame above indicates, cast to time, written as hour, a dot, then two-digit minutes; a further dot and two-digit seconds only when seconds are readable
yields 9.24.43
